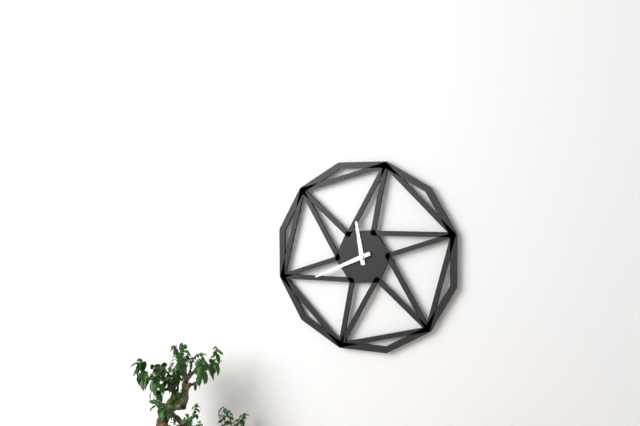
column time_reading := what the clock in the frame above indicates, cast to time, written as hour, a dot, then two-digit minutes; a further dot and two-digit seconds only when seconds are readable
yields 11.41
